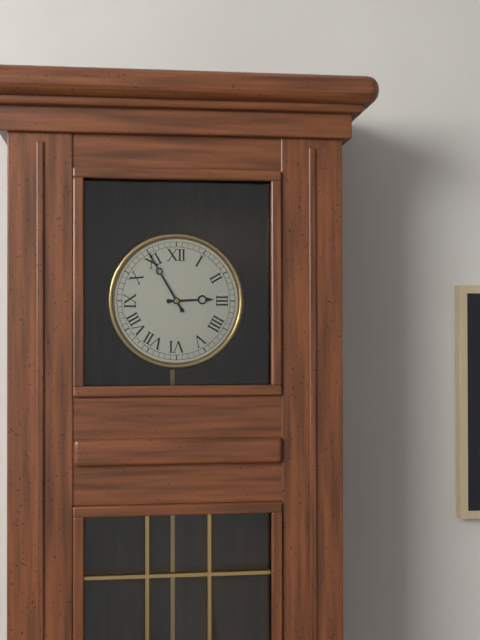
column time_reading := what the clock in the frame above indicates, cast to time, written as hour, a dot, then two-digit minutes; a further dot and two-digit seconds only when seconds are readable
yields 2.55
